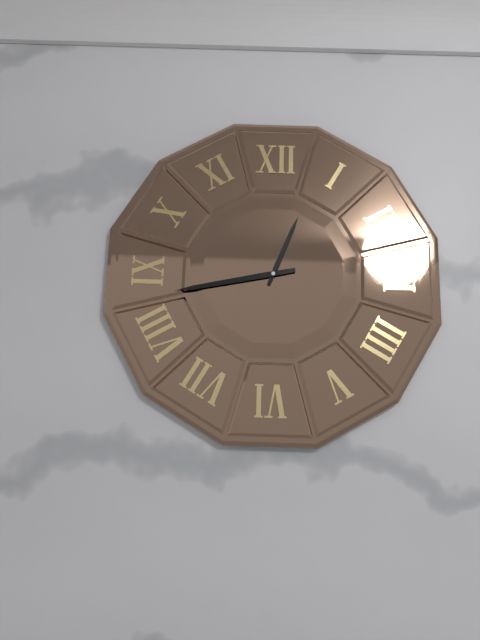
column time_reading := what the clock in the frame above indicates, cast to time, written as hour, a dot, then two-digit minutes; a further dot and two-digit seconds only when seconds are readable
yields 12.43
